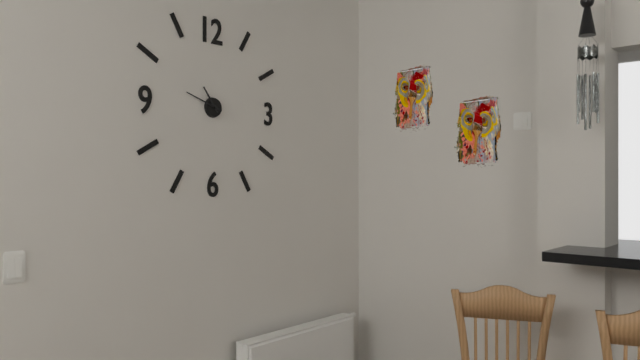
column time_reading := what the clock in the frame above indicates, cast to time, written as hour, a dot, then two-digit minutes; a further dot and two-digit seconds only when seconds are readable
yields 10.48
